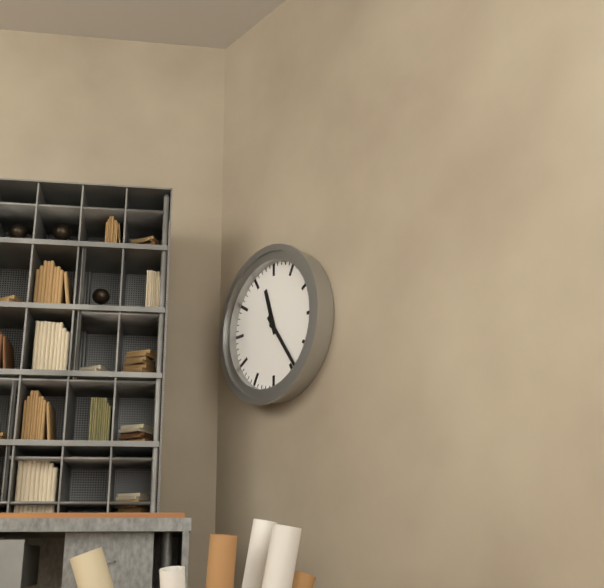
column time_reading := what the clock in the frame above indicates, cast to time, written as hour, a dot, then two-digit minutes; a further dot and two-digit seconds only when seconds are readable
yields 11.24
